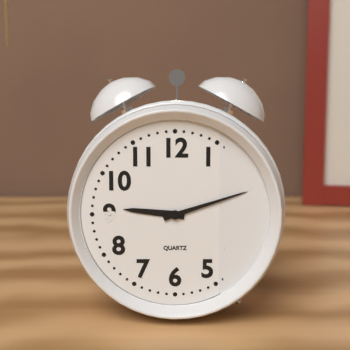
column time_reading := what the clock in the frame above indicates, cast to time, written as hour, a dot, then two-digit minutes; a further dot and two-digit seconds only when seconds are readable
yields 9.12
